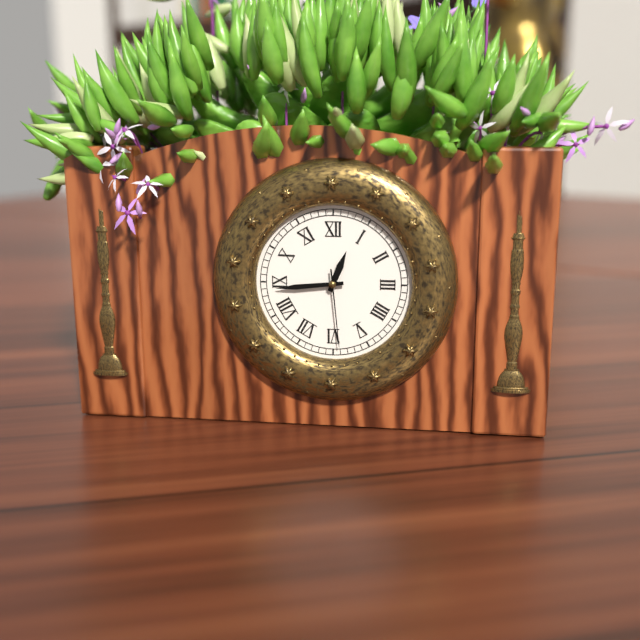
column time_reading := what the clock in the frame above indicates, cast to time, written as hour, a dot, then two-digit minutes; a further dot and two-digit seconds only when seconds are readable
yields 12.44.29
